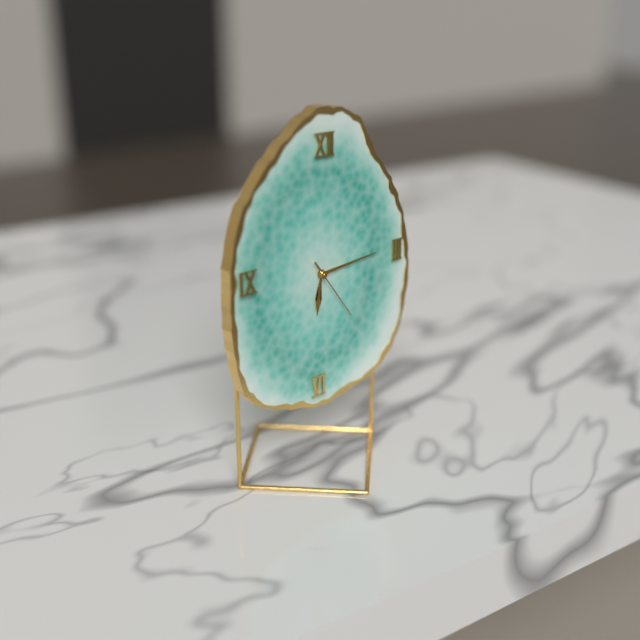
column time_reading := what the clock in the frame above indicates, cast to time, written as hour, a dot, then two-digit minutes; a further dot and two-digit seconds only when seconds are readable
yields 6.14.24
